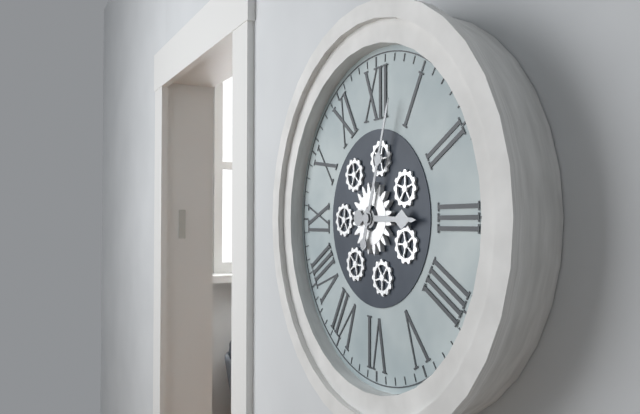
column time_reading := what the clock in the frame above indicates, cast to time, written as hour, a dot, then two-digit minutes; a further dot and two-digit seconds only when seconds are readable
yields 3.03
